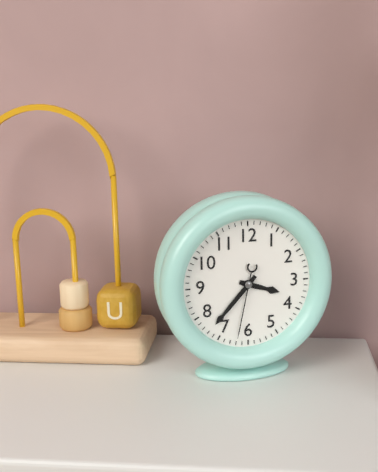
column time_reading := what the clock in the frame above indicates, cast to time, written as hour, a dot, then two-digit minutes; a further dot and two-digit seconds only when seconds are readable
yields 3.37.32
